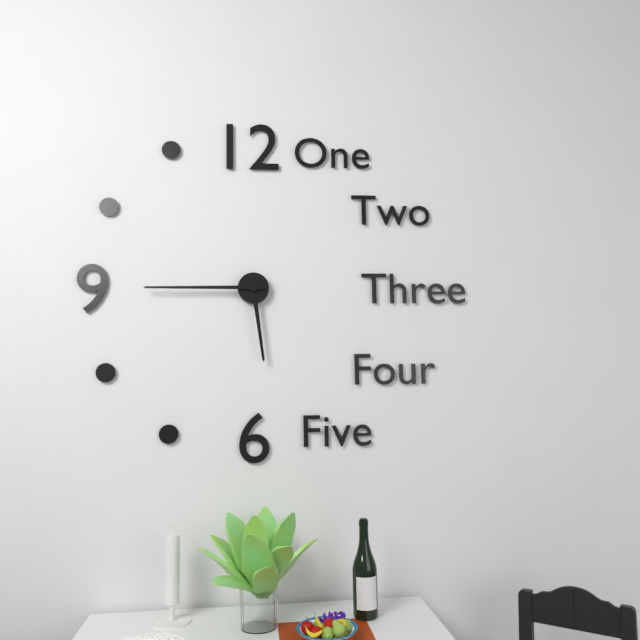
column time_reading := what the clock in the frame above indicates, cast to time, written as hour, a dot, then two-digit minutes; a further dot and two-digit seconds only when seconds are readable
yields 5.45
